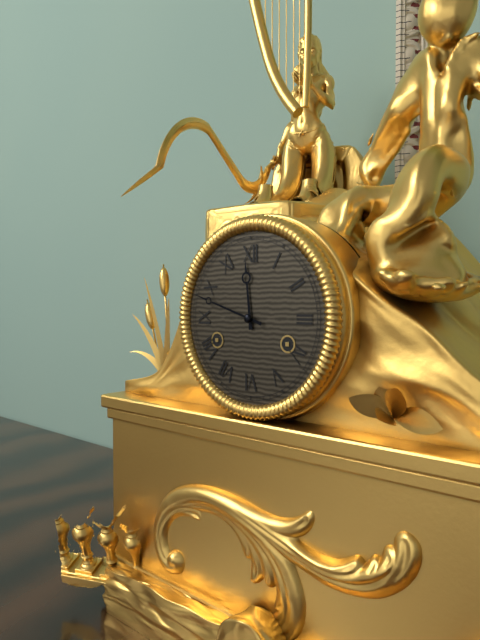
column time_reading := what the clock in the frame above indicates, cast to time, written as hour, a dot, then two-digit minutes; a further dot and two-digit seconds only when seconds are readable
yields 11.48
